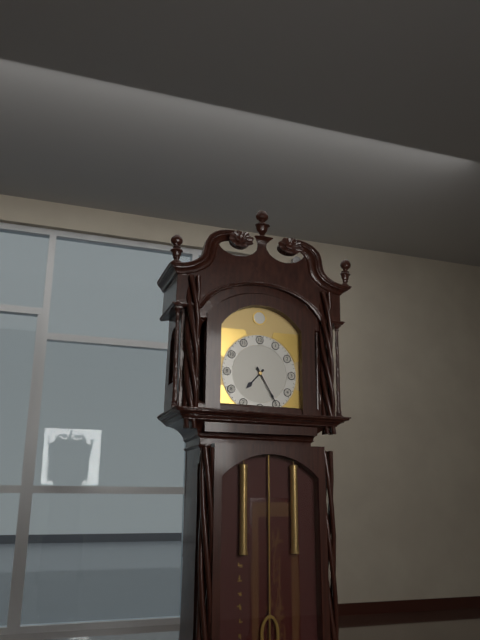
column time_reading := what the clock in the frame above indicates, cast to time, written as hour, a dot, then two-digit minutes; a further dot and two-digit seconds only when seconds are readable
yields 7.25
